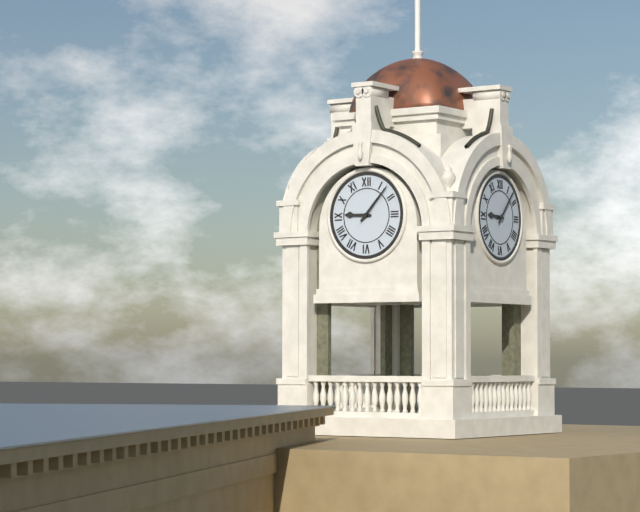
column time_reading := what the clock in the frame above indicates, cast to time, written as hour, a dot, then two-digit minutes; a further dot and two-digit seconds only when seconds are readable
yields 9.07
